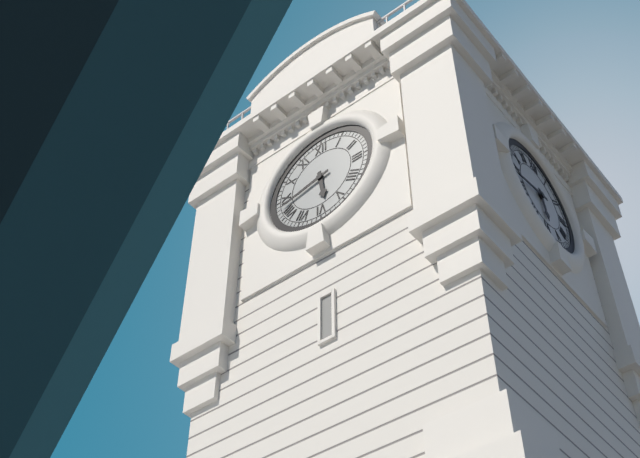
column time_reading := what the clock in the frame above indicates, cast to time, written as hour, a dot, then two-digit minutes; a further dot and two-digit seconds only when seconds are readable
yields 5.43
